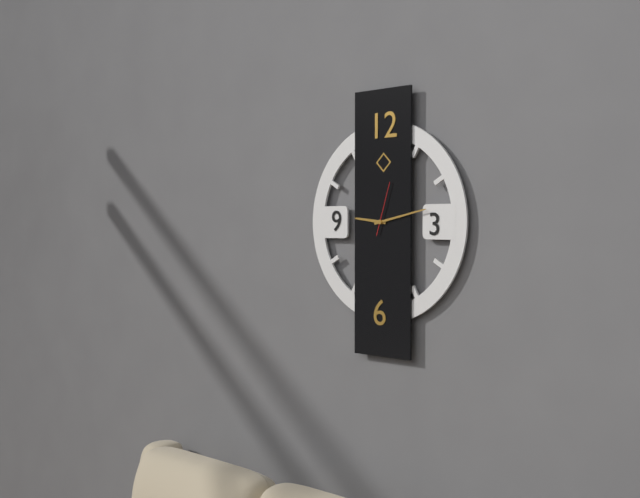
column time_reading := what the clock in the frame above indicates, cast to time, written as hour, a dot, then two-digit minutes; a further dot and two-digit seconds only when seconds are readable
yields 9.13
